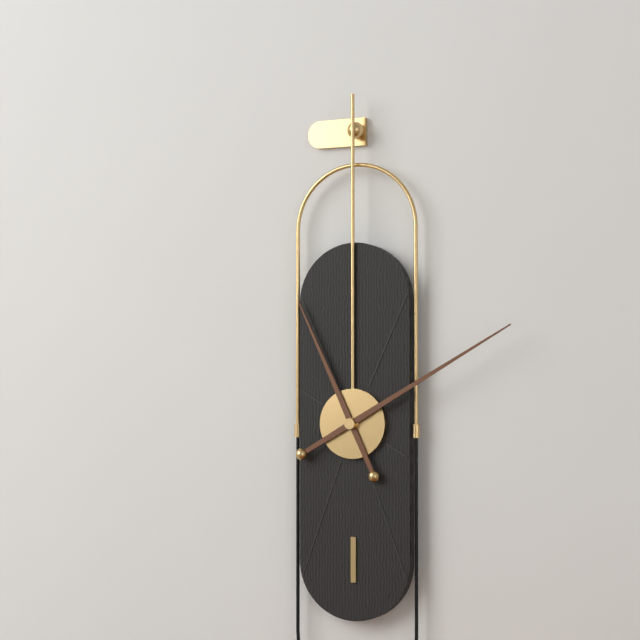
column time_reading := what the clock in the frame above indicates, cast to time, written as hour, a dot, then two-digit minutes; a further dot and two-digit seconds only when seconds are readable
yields 11.10
